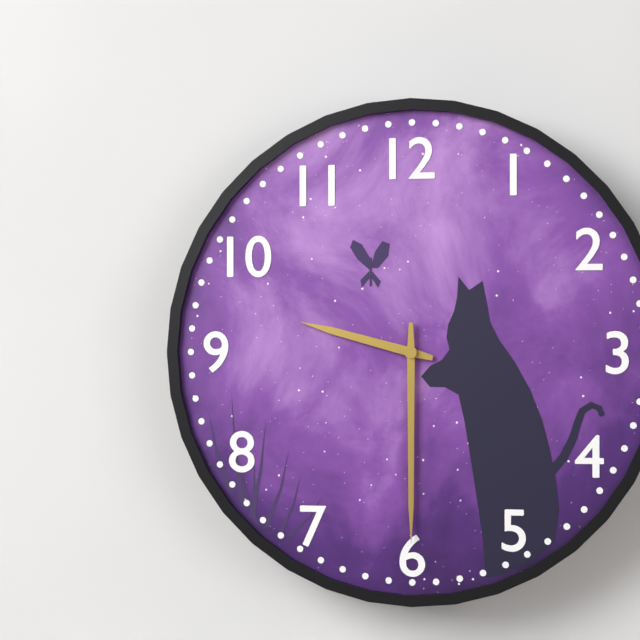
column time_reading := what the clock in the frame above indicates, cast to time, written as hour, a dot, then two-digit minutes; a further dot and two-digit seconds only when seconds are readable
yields 9.30
